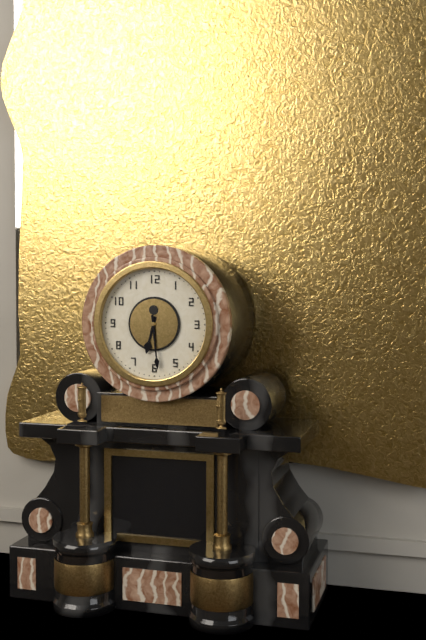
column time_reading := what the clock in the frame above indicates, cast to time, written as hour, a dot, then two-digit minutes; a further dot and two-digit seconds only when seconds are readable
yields 6.29
